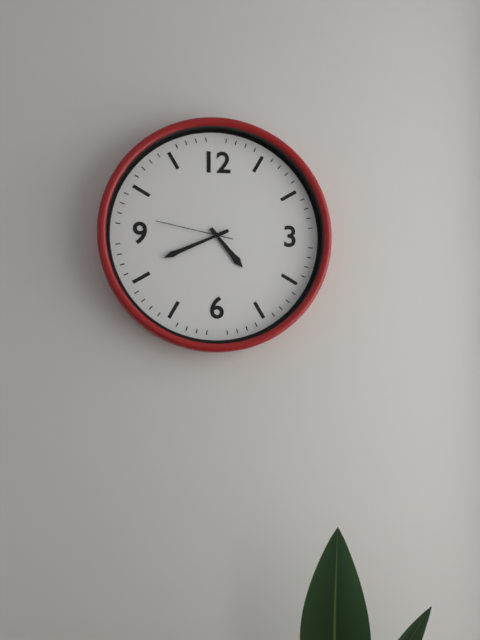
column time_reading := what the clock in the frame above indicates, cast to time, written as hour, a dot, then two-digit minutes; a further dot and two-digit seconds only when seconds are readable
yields 4.41.47
